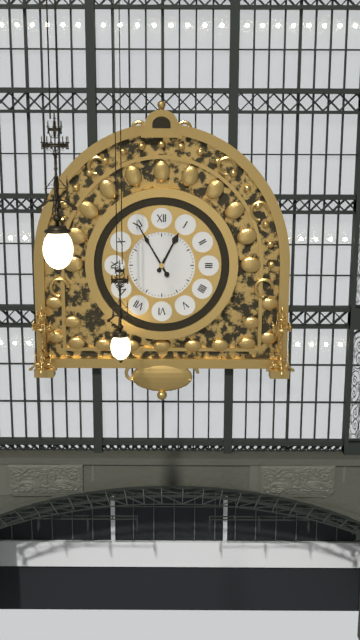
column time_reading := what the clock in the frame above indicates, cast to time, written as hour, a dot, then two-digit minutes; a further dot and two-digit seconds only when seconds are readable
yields 12.55
